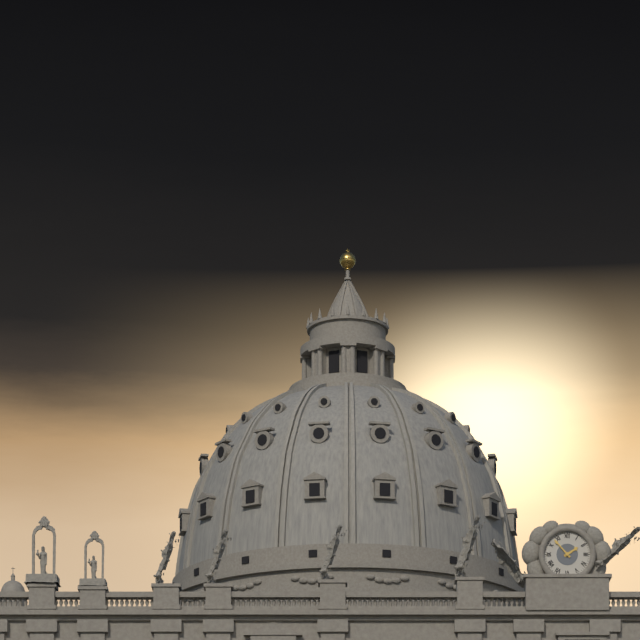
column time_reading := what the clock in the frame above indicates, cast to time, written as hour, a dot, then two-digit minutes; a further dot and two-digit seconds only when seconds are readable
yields 1.53
